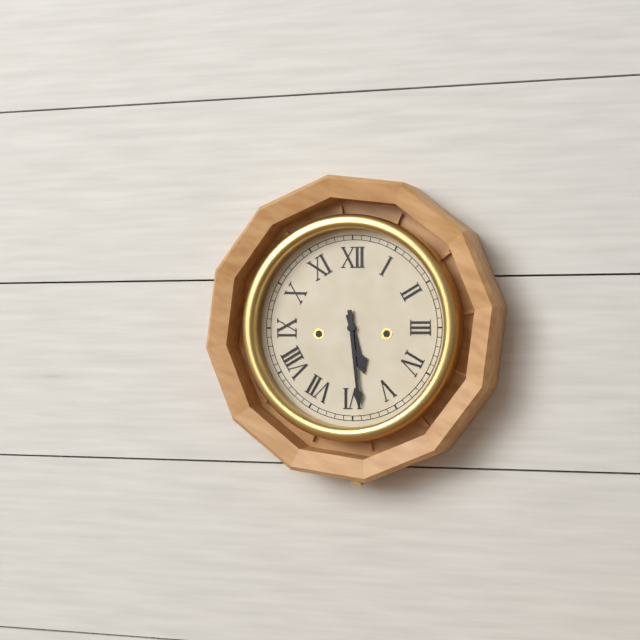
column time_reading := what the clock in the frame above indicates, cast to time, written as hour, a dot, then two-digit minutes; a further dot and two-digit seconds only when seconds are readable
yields 5.29
